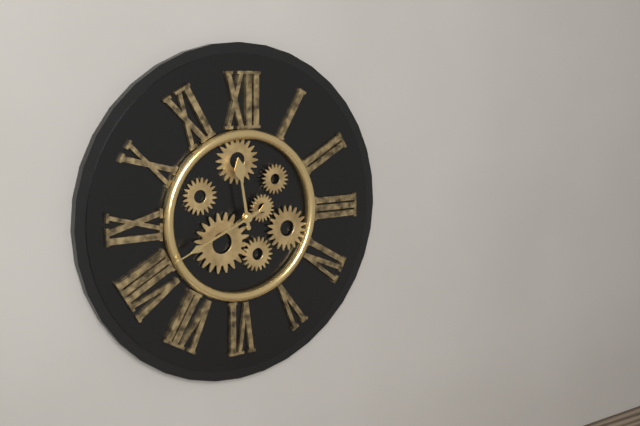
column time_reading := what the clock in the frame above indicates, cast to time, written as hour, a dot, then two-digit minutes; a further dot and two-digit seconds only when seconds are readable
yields 11.41
